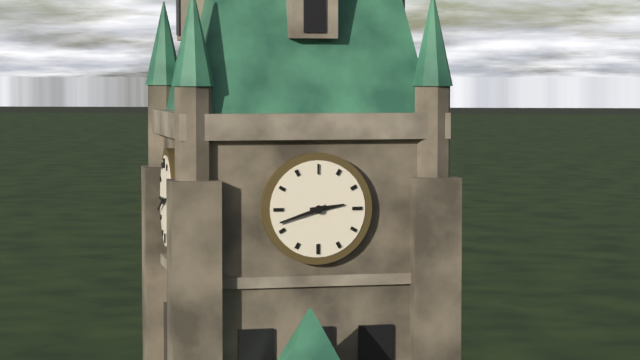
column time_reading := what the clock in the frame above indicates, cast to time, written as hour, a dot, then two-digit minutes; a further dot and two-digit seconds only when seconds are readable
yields 2.42
